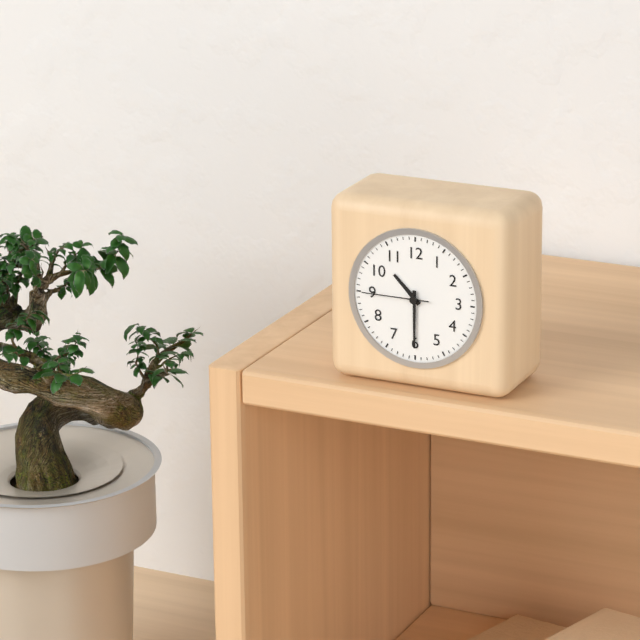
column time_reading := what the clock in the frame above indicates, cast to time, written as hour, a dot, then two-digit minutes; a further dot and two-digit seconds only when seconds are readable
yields 10.30.45
